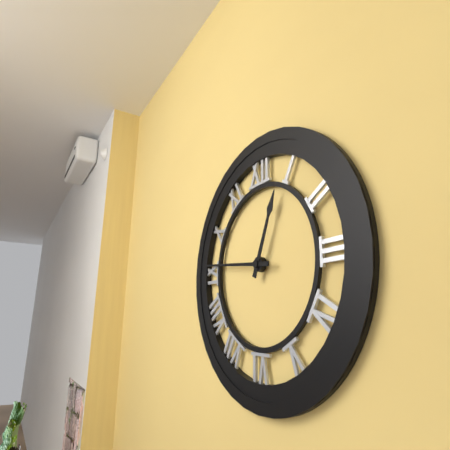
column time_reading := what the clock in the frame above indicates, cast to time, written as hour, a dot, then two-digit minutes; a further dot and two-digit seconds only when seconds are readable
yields 12.46
